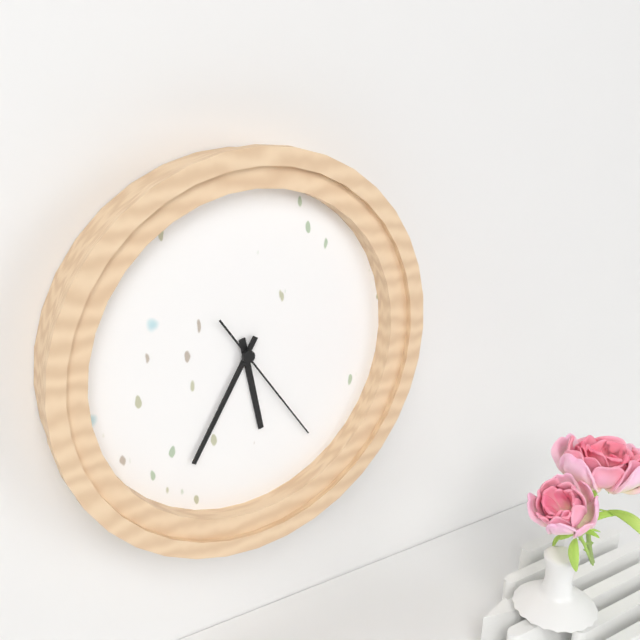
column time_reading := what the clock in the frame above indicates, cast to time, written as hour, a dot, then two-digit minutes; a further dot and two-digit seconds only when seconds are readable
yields 5.35.24
